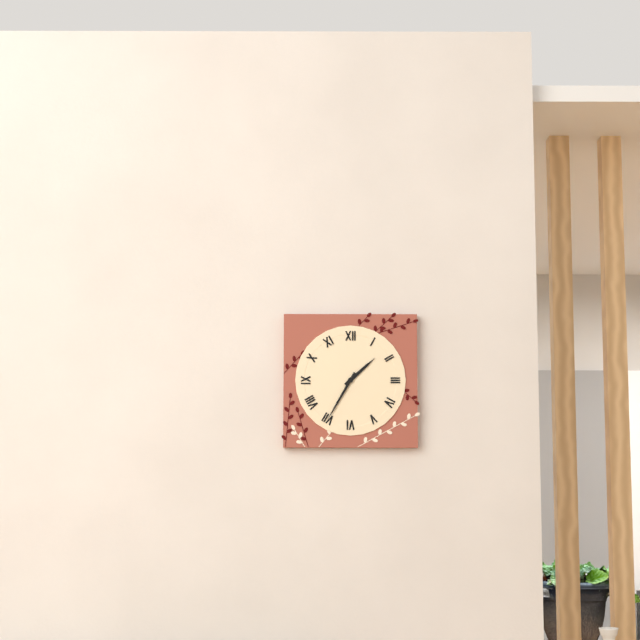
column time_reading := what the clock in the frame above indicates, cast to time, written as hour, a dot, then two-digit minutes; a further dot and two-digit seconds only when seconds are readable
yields 1.35
